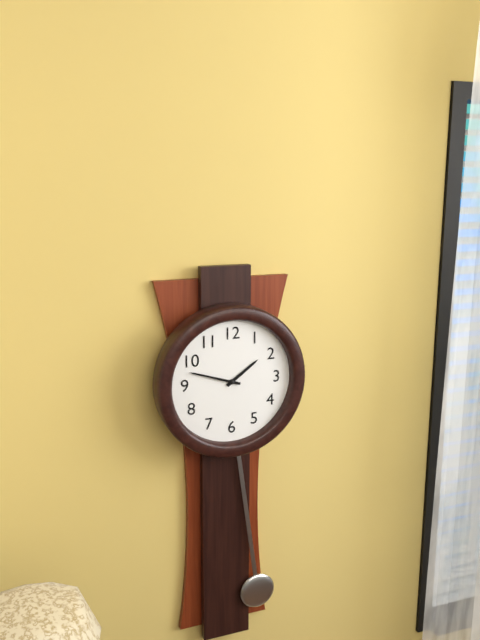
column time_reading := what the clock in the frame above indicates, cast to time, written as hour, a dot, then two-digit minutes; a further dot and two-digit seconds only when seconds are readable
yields 1.48
